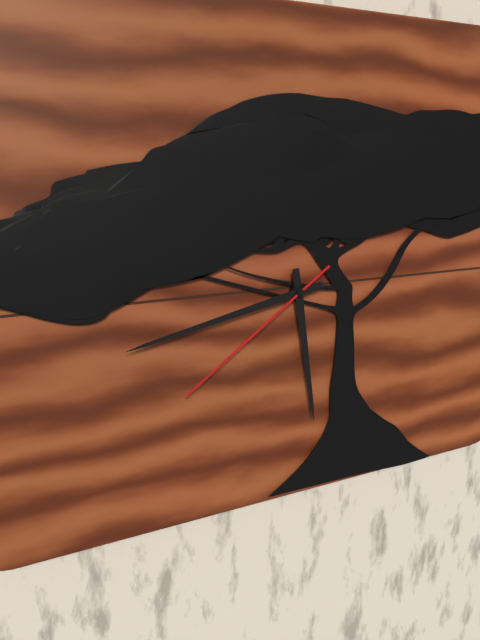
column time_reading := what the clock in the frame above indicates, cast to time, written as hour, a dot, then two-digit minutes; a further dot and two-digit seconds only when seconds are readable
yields 5.43.39
